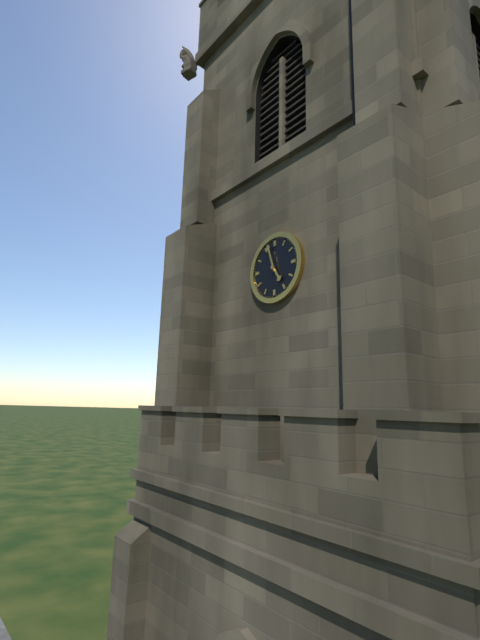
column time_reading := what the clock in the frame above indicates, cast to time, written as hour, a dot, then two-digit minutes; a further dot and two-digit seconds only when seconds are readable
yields 4.57
